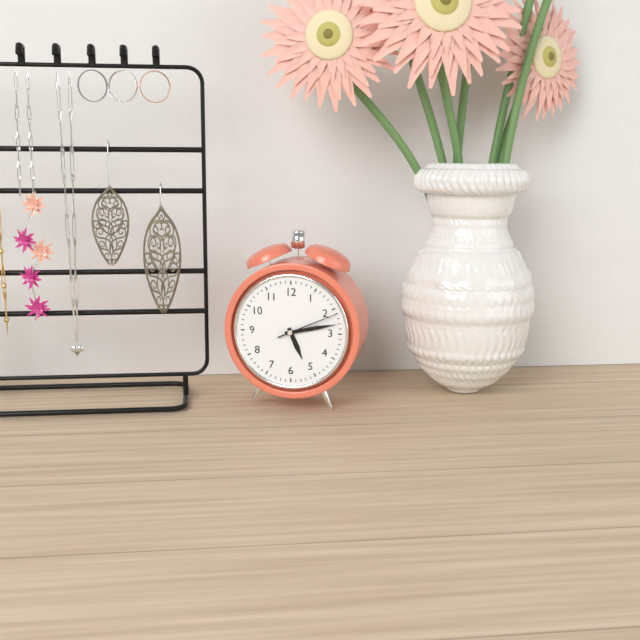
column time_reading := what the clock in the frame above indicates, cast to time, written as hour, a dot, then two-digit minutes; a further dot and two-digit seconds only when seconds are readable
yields 5.13.11
